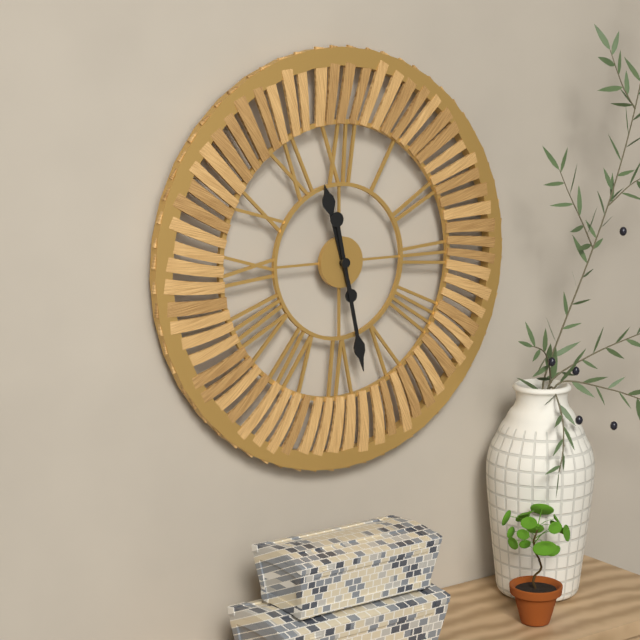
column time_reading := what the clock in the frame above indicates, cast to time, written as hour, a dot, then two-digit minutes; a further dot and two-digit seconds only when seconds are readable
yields 11.28
